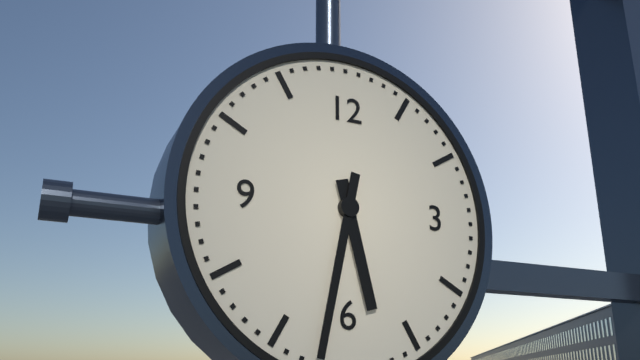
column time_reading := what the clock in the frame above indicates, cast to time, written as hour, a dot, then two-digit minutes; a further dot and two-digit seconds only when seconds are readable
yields 5.32
